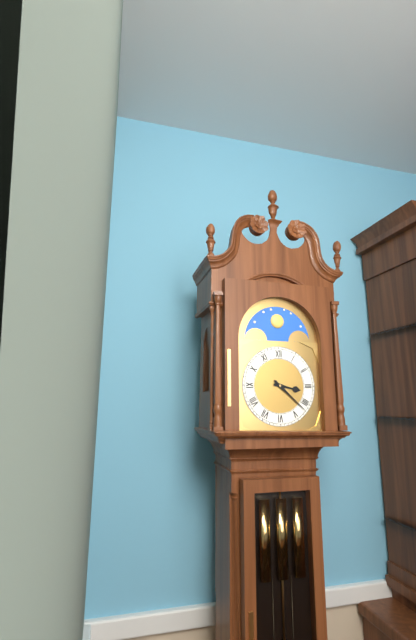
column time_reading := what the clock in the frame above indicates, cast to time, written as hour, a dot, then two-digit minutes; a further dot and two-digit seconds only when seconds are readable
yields 3.22
